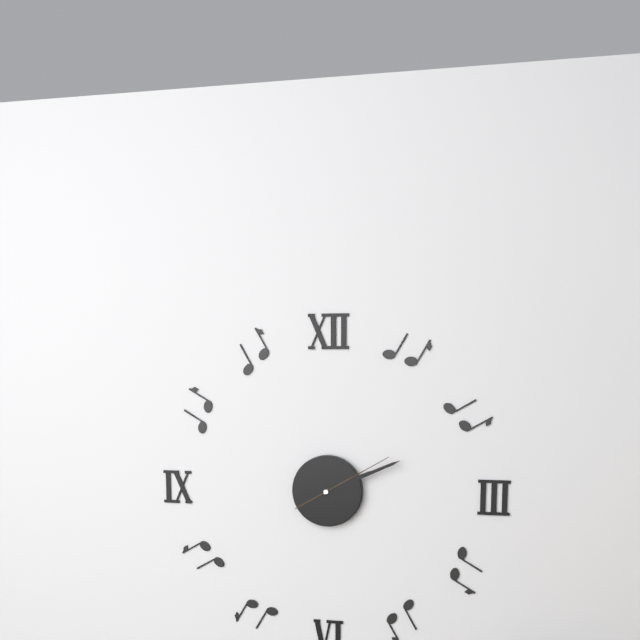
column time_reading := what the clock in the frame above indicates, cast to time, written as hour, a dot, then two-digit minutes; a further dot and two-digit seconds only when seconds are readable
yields 2.11.10
